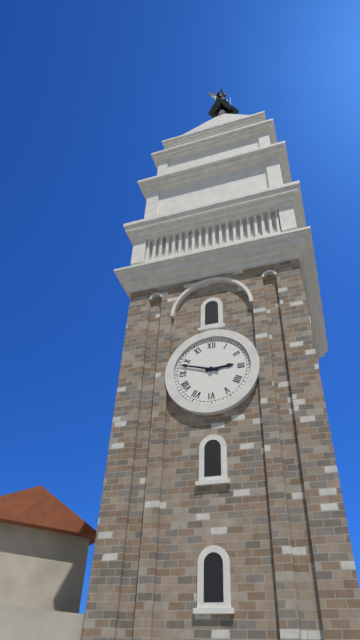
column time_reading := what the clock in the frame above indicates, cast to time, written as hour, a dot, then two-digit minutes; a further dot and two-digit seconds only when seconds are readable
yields 2.48
